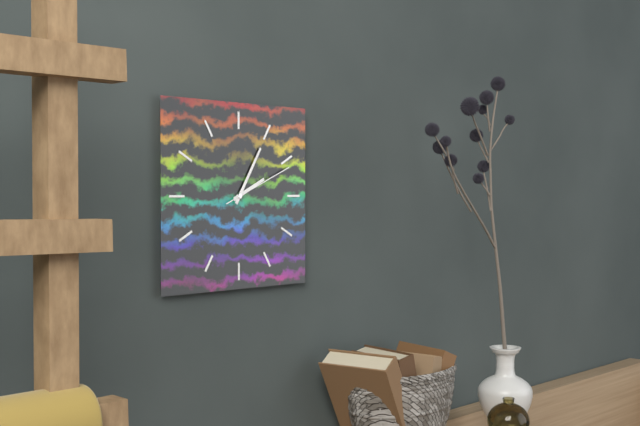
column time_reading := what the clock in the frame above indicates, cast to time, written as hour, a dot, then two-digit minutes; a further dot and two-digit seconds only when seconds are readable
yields 2.05.11
